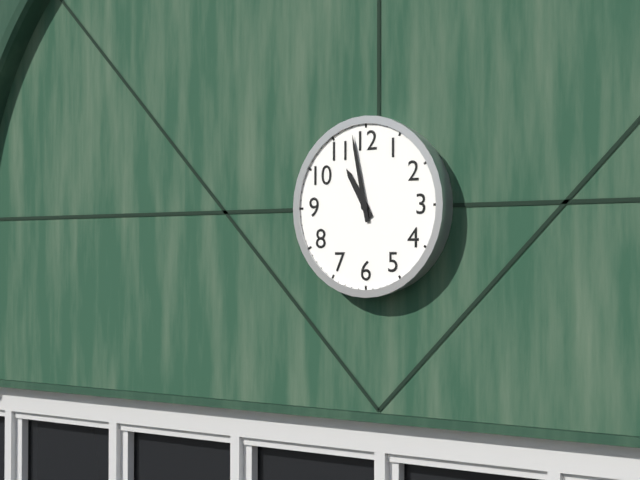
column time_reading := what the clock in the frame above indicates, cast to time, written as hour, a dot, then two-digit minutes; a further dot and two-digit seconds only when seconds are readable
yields 10.58
